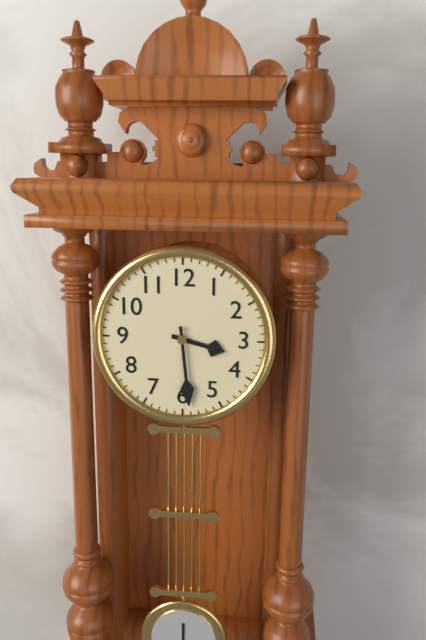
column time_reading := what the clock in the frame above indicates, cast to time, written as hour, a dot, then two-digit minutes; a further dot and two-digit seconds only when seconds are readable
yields 3.29
